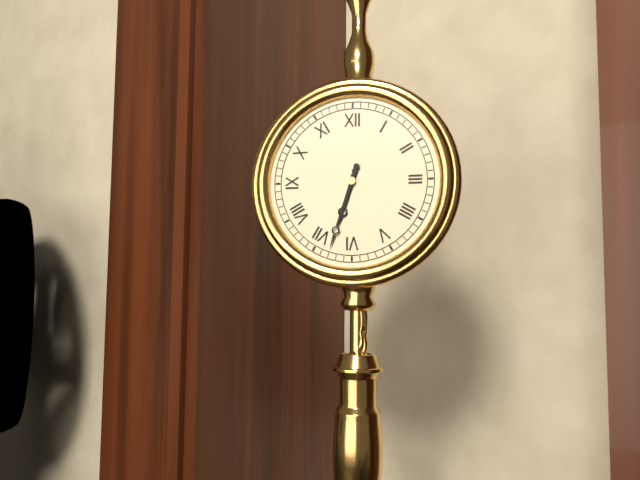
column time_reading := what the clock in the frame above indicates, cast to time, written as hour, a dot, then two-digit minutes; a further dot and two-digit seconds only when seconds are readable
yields 6.33
